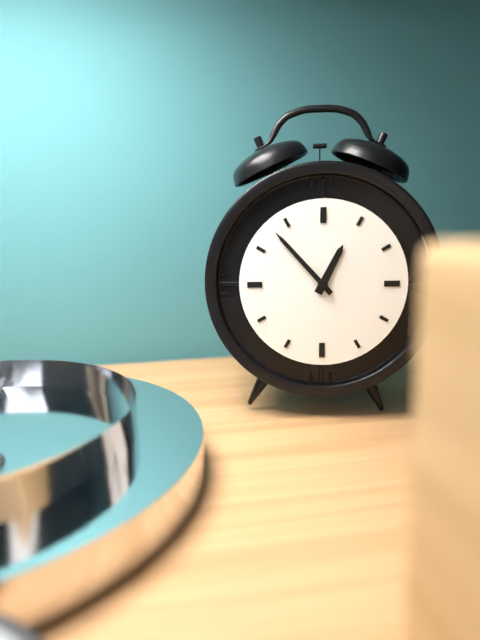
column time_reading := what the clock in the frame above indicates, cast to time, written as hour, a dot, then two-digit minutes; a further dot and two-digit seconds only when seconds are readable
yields 12.53
